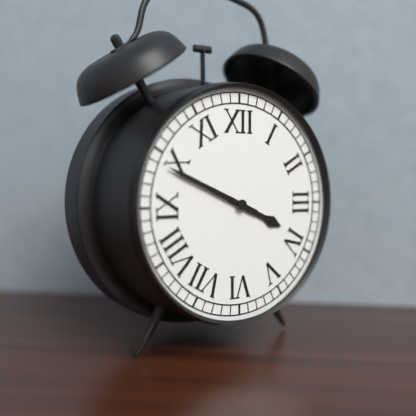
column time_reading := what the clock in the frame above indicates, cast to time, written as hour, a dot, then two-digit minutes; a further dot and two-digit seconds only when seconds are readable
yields 3.49
